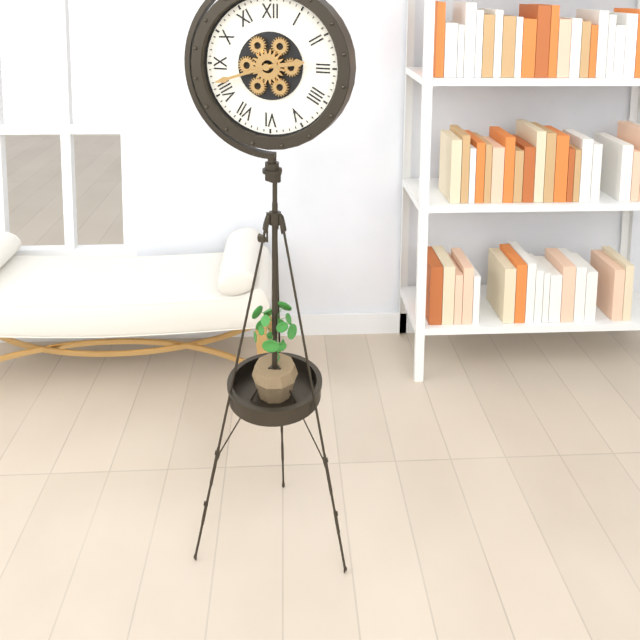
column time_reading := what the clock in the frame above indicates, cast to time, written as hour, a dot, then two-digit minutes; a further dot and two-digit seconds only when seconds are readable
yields 2.42
